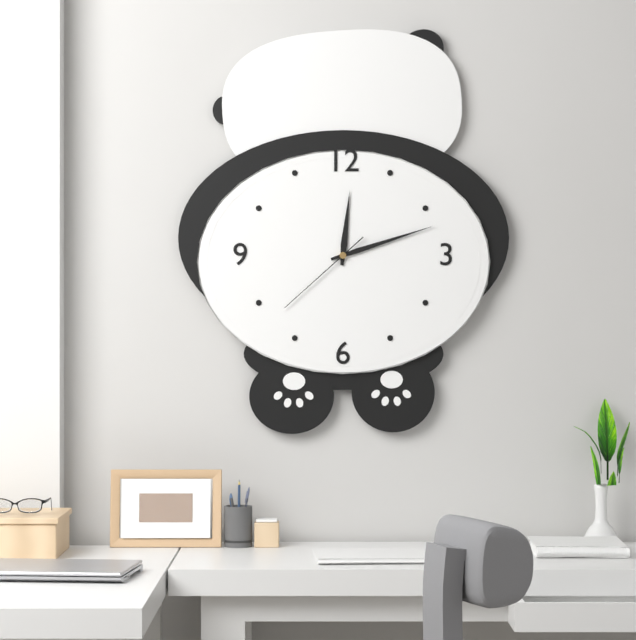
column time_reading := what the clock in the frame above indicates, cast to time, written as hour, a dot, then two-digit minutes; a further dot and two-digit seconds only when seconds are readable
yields 12.12.38
